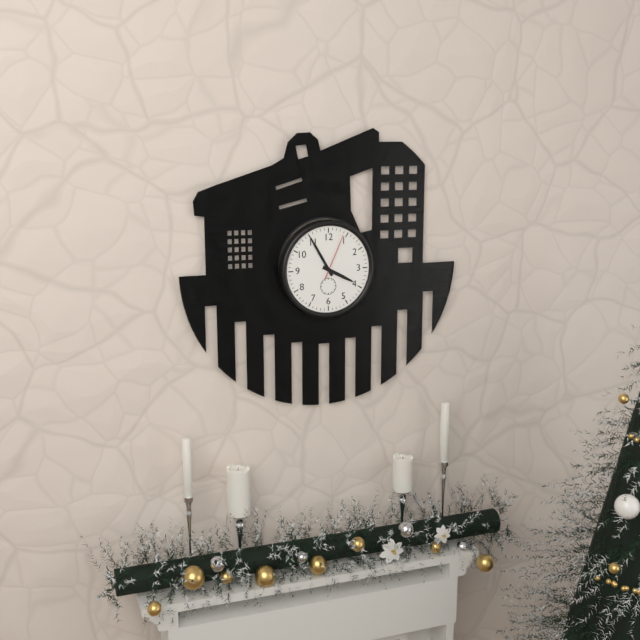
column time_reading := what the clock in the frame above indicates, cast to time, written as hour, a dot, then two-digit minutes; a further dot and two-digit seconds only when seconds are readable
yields 3.55
